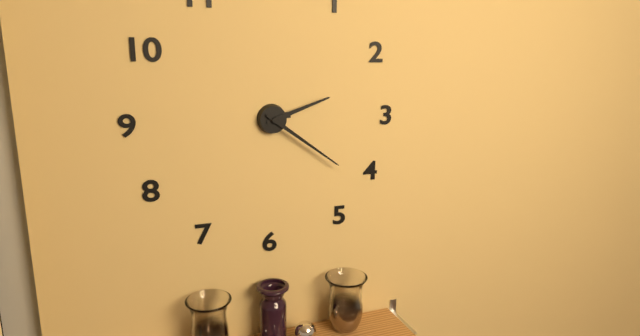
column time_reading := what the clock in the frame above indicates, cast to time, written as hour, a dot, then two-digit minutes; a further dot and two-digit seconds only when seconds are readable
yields 2.21
